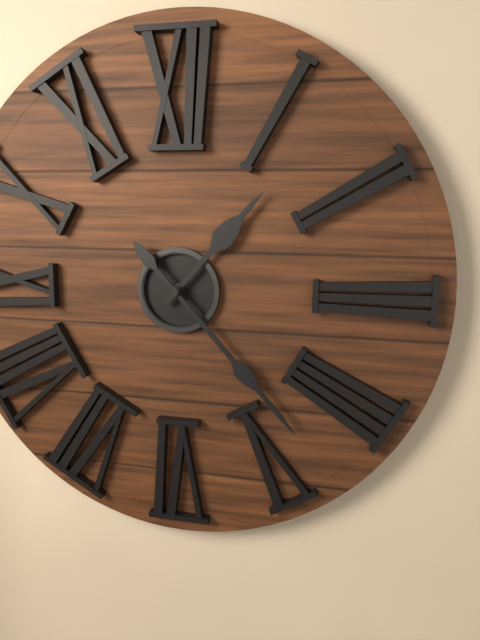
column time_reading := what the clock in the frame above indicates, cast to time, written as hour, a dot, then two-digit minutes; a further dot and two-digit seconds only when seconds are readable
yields 1.23
